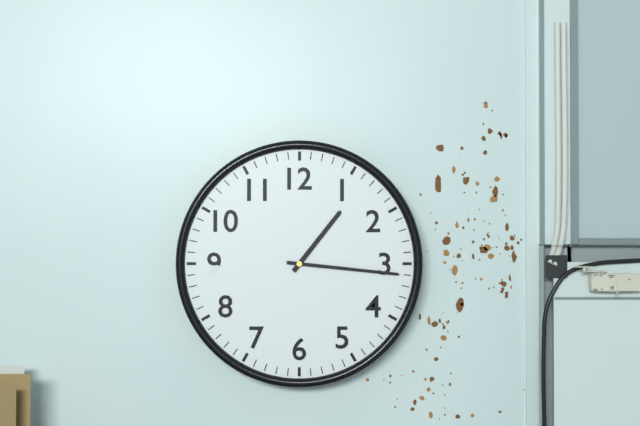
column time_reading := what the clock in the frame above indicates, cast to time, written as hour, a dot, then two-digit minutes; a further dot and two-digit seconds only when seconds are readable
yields 1.16
